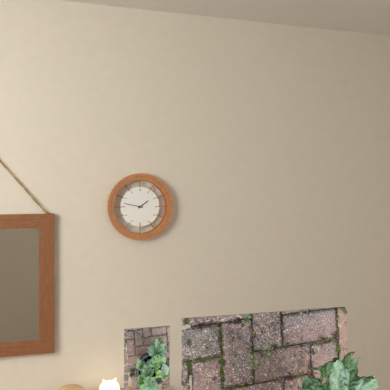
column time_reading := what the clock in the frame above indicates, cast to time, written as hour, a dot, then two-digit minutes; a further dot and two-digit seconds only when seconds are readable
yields 1.47
